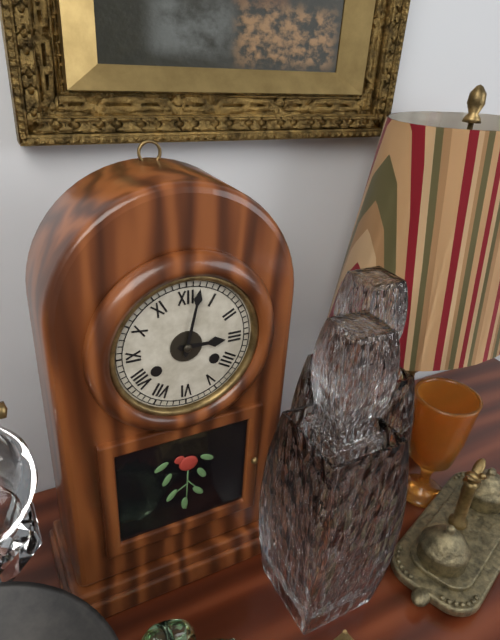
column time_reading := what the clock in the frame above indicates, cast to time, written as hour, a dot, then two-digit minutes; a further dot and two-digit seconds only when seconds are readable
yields 3.02
